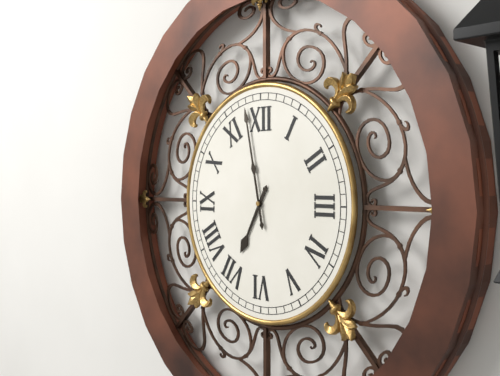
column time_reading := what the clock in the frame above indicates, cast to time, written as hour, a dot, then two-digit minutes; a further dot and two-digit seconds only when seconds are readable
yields 6.58
